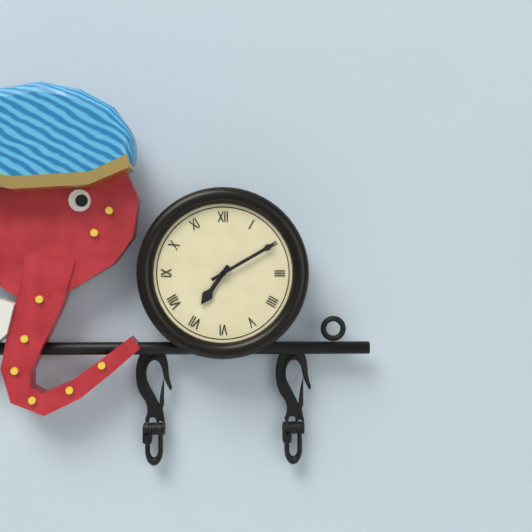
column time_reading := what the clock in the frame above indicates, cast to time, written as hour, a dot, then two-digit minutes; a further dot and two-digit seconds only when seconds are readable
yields 7.10
